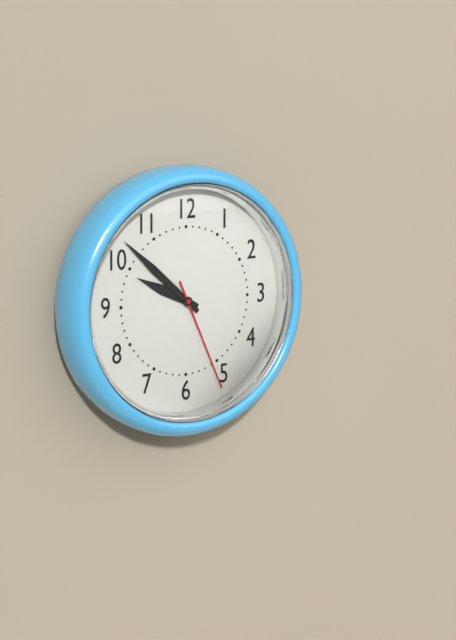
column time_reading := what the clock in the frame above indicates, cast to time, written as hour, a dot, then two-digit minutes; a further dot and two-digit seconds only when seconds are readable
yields 9.52.26
